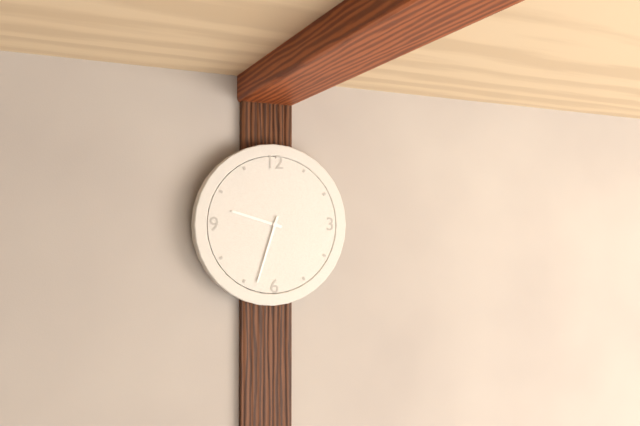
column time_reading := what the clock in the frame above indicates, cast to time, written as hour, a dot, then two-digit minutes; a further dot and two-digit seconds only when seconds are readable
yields 9.33
